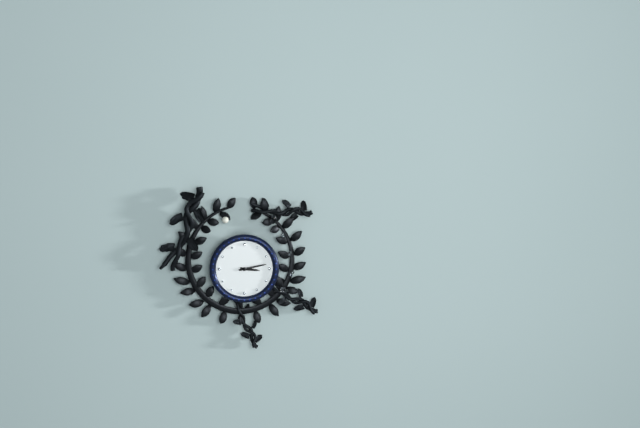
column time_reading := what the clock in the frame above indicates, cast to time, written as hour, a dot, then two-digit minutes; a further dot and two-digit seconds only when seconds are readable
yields 3.13
